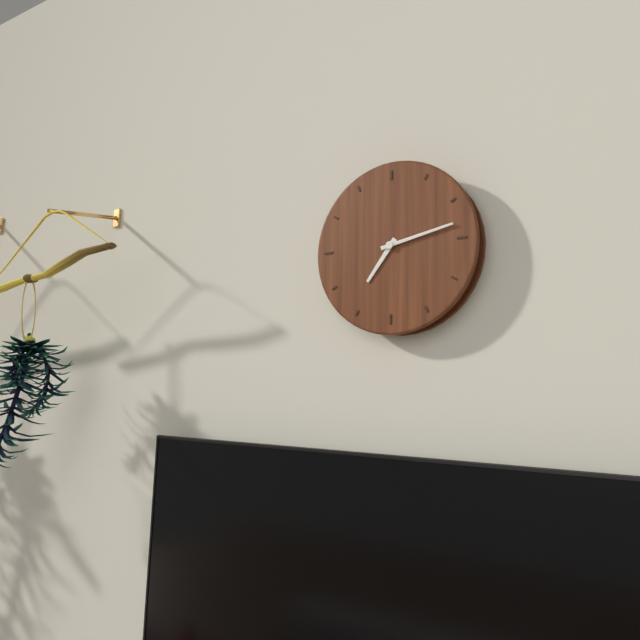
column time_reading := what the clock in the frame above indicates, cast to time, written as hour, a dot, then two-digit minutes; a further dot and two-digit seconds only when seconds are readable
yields 7.13
